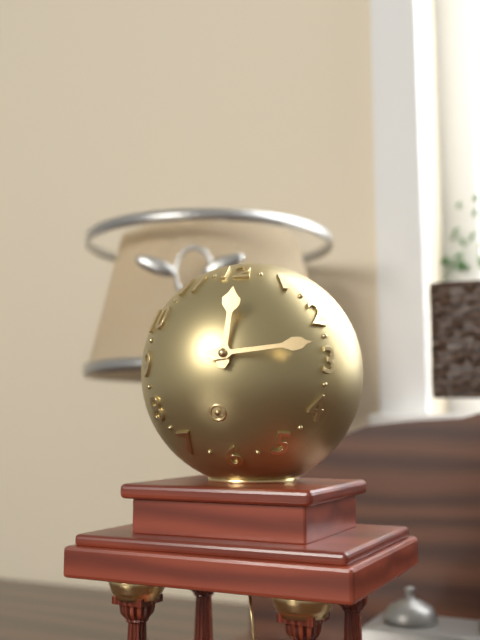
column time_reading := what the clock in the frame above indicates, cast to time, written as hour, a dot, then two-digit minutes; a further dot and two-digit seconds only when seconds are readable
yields 12.14
